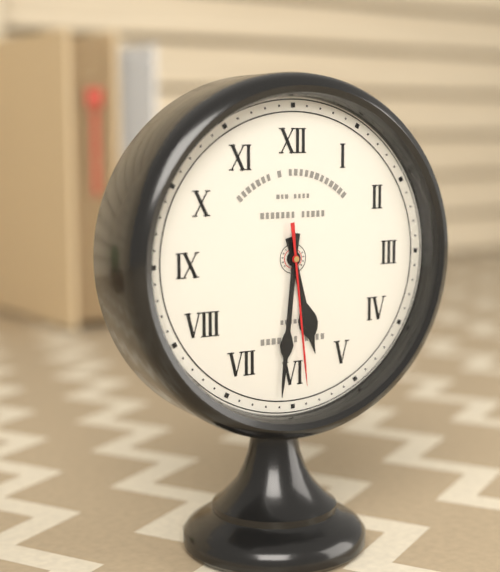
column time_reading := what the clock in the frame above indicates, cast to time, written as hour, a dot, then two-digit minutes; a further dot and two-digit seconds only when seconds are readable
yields 5.31.29
